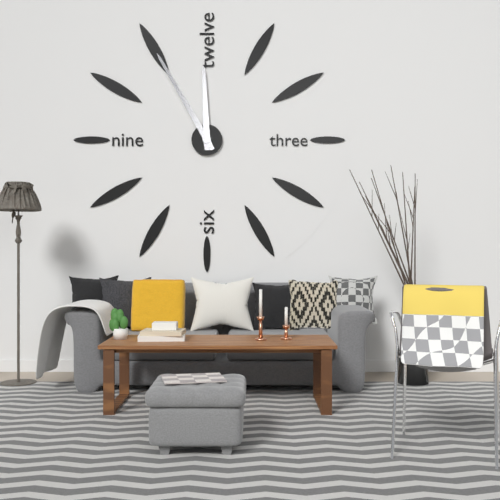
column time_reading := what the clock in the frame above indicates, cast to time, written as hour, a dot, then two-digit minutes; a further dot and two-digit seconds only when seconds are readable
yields 11.55
